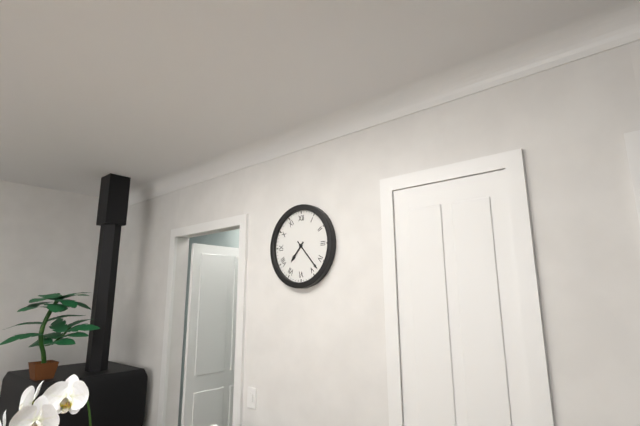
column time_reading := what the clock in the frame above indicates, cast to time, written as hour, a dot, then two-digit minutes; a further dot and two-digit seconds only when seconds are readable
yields 7.23
